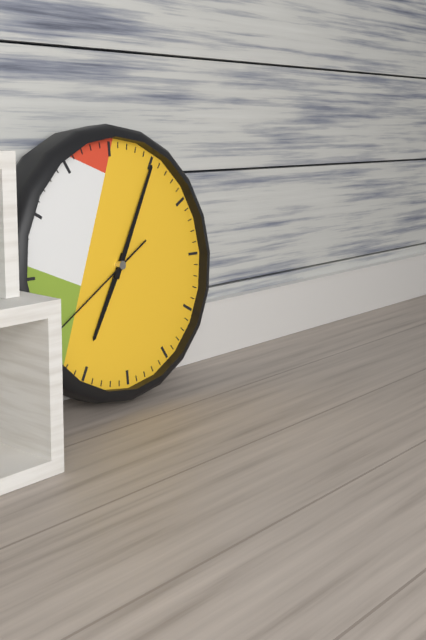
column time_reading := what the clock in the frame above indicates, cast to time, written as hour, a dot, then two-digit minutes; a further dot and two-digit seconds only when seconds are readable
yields 7.05.40
